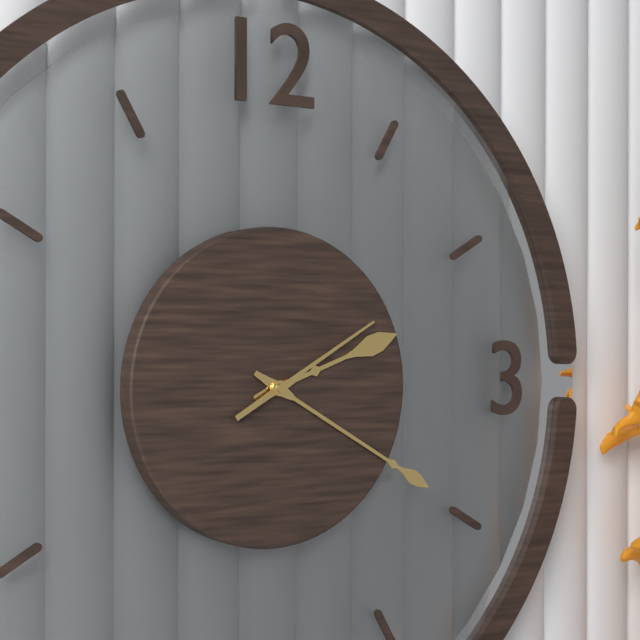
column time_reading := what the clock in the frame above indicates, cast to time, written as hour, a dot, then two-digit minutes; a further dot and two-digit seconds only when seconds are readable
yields 2.20.10
